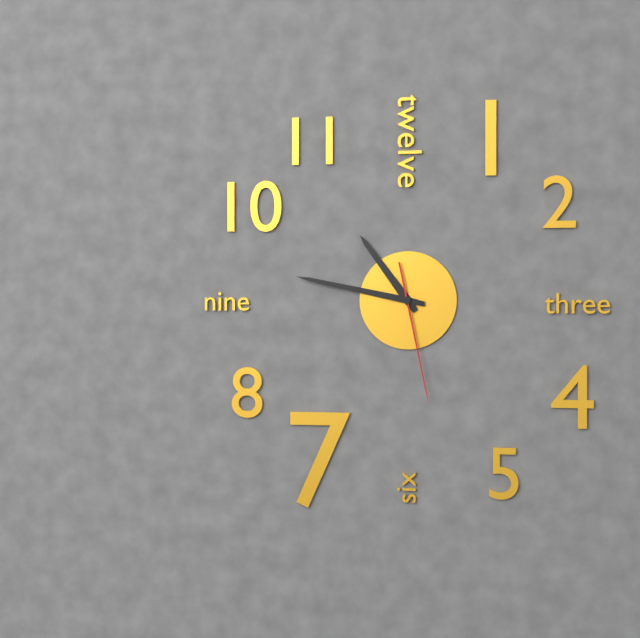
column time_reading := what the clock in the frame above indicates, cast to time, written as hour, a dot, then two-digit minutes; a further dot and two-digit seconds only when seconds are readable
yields 10.47.28
